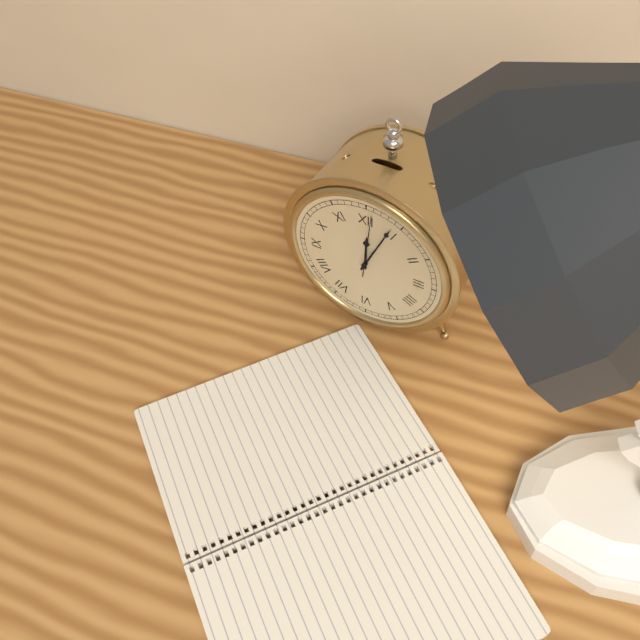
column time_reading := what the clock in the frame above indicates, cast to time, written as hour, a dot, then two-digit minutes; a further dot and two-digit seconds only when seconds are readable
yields 12.04.01
